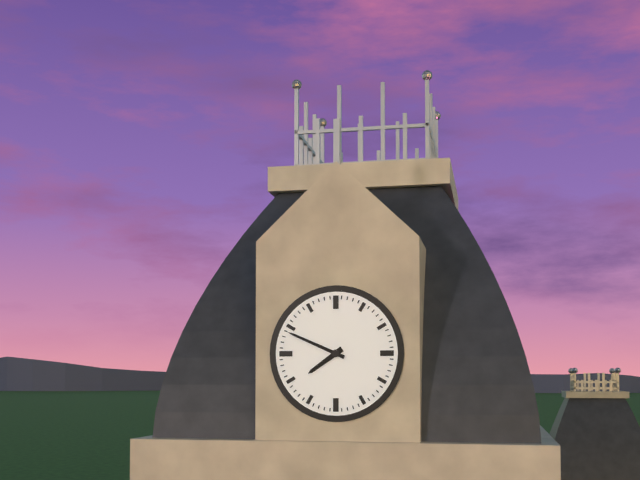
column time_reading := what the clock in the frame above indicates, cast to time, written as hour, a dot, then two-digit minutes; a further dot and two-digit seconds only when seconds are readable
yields 7.49
